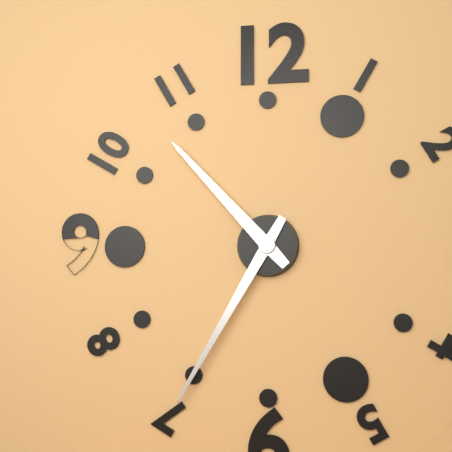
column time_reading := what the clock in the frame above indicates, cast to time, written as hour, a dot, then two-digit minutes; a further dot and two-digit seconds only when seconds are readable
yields 10.35
